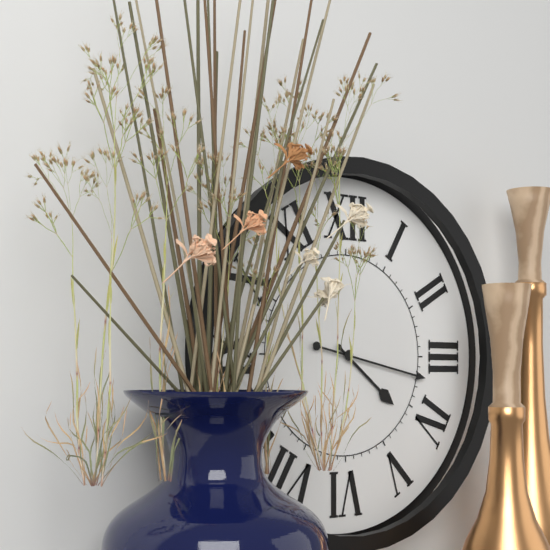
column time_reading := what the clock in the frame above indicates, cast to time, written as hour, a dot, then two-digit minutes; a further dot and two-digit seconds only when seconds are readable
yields 4.17
